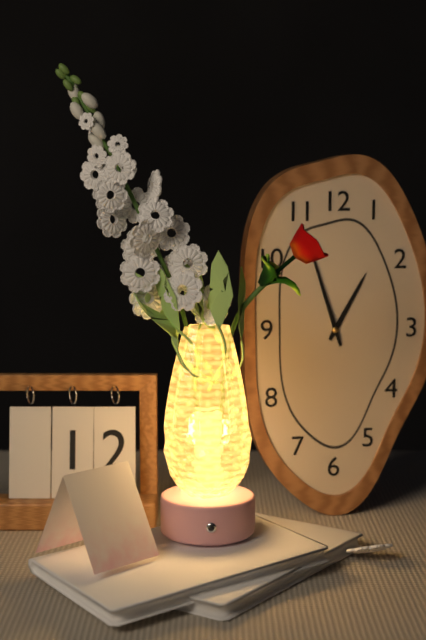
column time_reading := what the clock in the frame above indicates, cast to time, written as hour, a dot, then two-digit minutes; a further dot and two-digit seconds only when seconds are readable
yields 12.57
